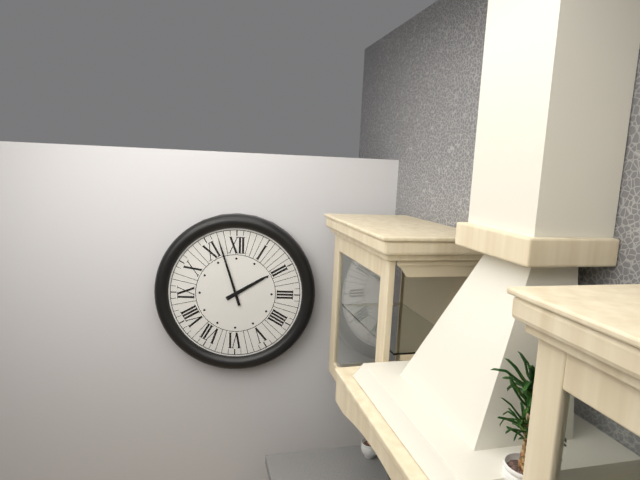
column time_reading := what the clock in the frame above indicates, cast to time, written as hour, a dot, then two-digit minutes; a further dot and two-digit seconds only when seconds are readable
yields 1.57
